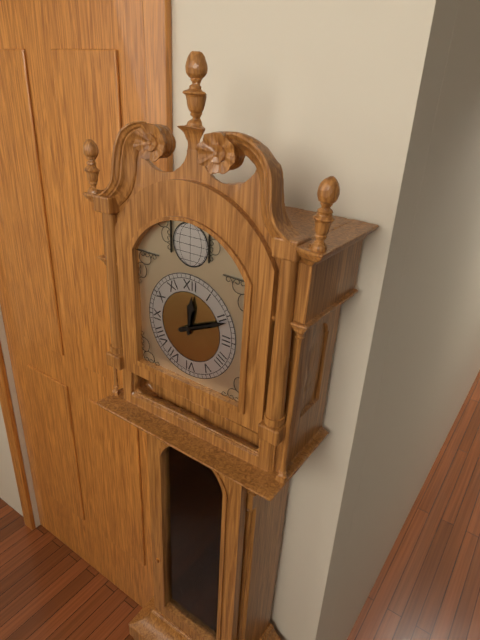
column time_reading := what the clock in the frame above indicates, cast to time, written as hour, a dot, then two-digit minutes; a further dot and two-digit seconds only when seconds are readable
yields 12.11
